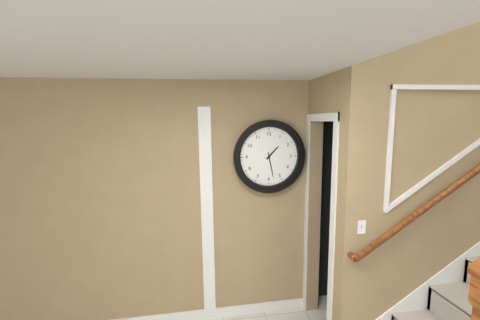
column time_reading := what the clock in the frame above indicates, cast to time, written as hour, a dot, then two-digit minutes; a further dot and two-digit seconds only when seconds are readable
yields 1.28
